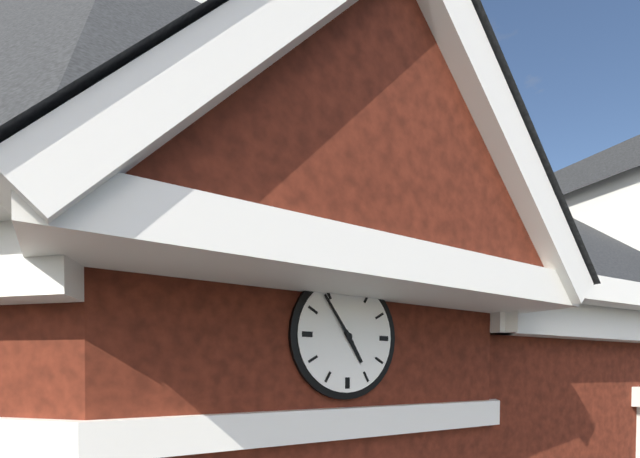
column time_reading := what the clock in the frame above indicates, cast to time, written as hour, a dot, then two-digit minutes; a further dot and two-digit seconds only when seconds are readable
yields 4.54
